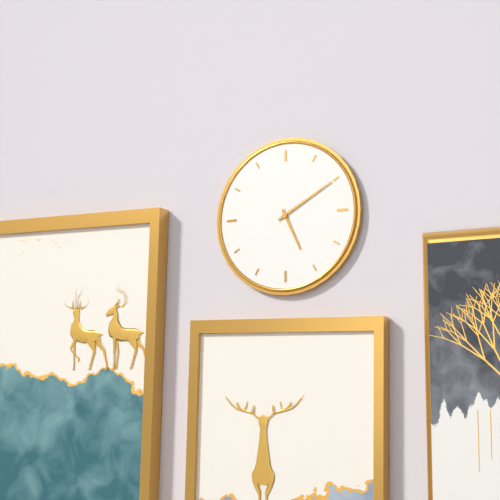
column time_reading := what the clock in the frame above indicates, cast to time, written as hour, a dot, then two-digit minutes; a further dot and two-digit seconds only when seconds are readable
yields 5.10
